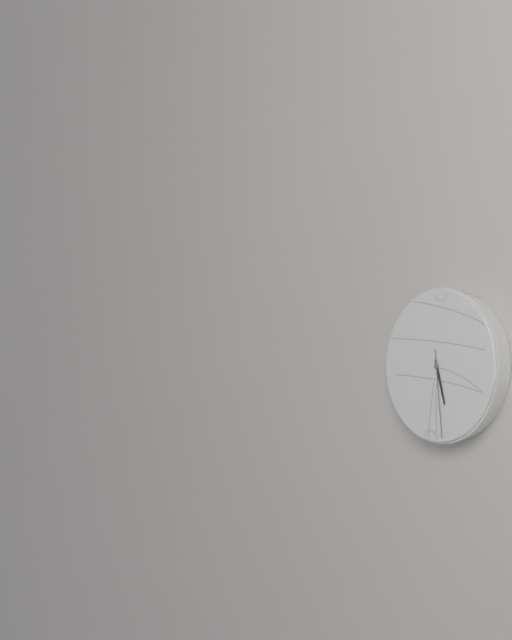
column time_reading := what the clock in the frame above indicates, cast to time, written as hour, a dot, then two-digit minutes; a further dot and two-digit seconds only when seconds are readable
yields 5.29
